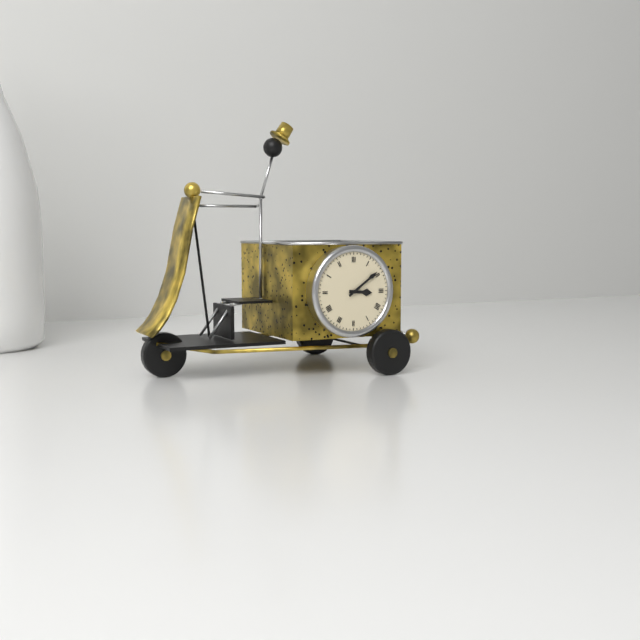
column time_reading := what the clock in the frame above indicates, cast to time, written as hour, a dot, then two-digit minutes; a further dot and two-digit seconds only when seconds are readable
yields 3.09
